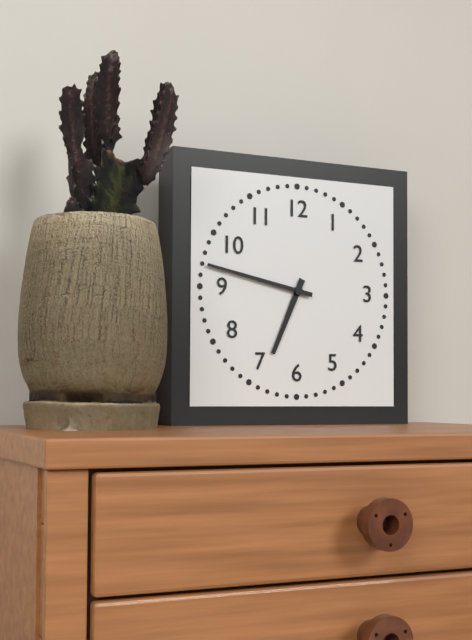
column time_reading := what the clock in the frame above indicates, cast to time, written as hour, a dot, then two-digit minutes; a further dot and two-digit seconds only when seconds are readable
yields 6.47
